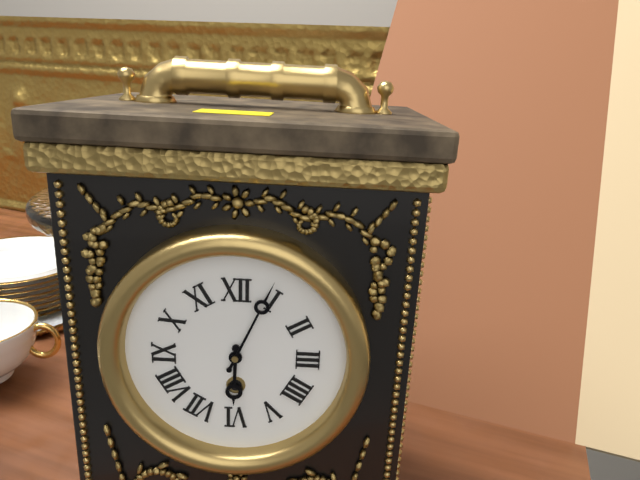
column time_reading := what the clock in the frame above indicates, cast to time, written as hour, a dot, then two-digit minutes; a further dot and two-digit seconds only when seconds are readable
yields 6.04
